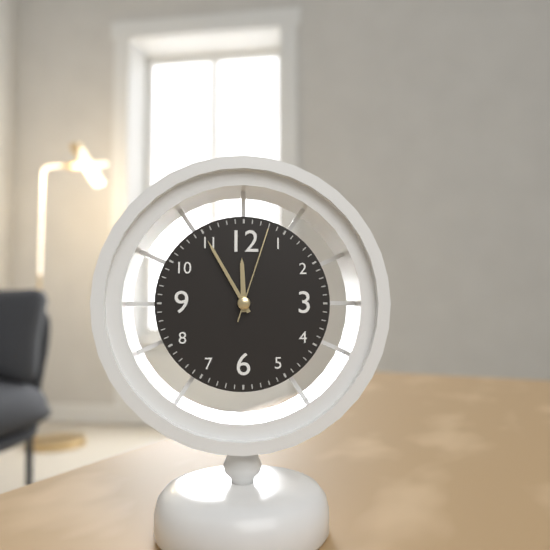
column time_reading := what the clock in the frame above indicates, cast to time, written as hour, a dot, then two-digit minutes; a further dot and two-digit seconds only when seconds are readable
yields 11.55.03
